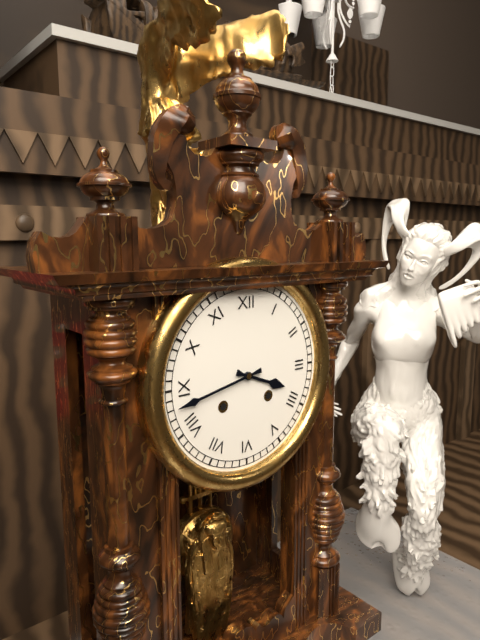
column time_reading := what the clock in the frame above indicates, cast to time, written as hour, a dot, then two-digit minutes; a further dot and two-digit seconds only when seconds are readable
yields 3.43
